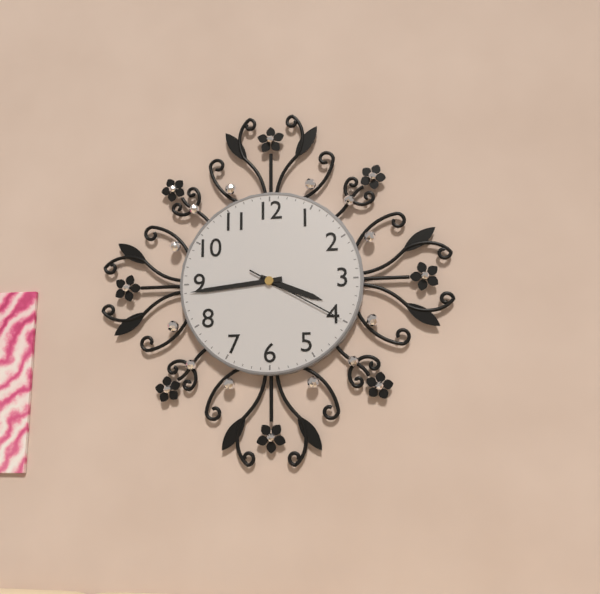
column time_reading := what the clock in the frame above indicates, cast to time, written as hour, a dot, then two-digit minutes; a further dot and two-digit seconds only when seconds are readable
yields 3.44.20
